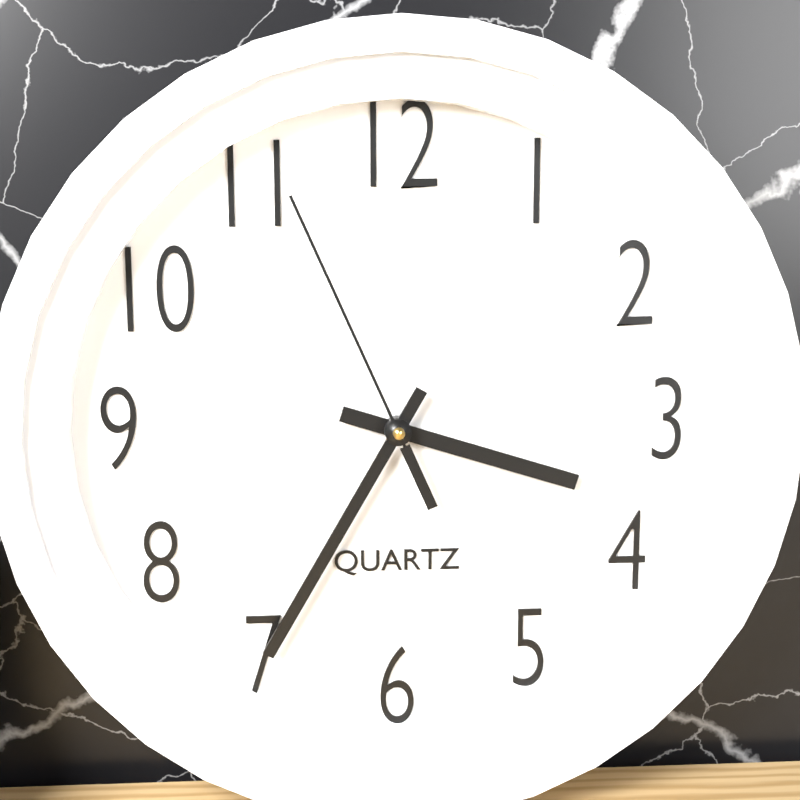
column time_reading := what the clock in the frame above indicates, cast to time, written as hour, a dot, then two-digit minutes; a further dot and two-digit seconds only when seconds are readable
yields 3.35.56
